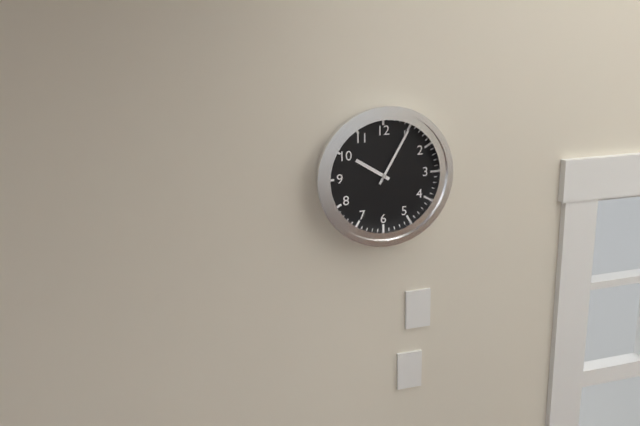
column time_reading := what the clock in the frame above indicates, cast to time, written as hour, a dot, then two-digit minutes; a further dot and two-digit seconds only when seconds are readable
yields 10.05
